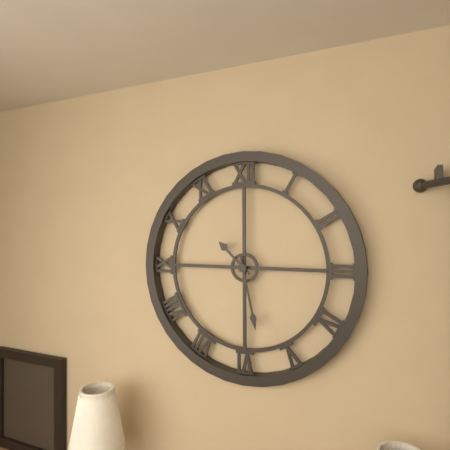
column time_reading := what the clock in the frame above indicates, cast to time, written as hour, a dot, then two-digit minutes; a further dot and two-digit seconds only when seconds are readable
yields 10.28
